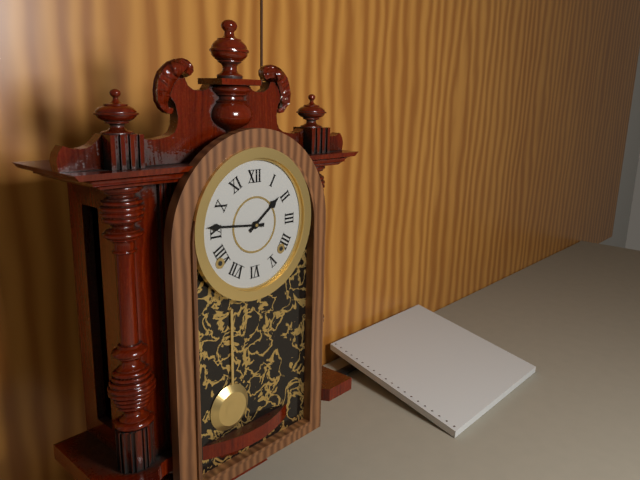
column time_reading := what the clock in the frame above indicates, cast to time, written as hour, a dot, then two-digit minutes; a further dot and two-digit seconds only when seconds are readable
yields 1.46
